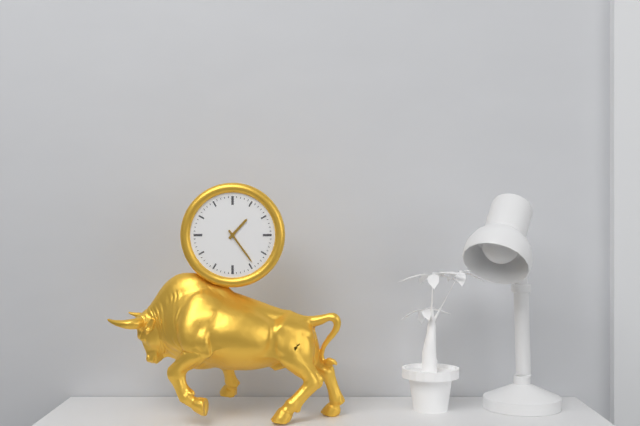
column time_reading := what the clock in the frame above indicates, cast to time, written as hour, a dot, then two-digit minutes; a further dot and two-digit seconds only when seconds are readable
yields 1.24
